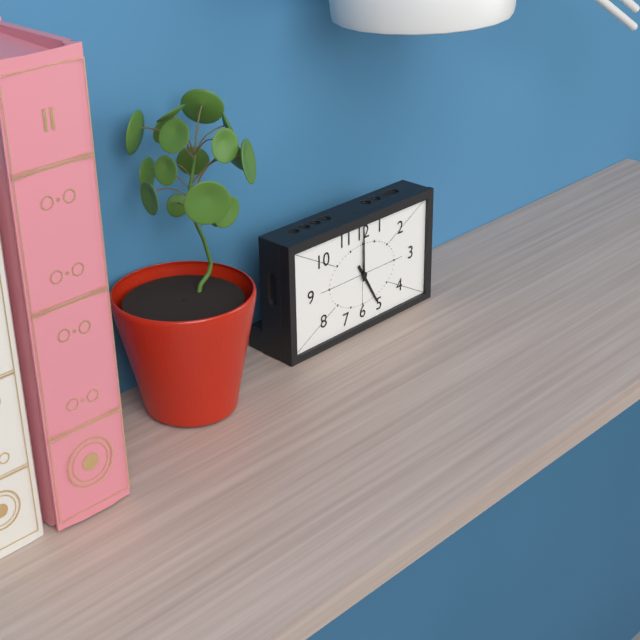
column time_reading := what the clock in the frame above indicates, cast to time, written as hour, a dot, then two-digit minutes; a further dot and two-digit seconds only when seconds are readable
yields 5.00
